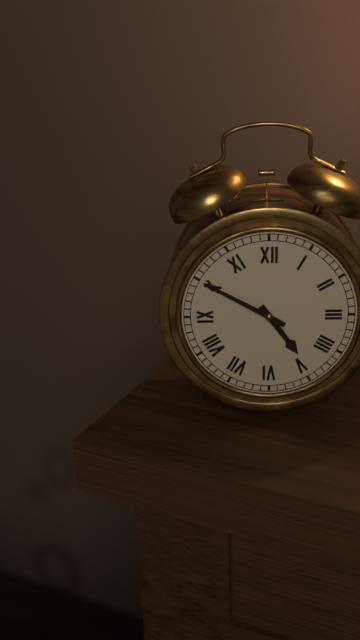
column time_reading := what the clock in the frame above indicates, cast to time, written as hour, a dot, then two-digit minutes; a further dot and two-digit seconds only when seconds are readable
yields 4.50
